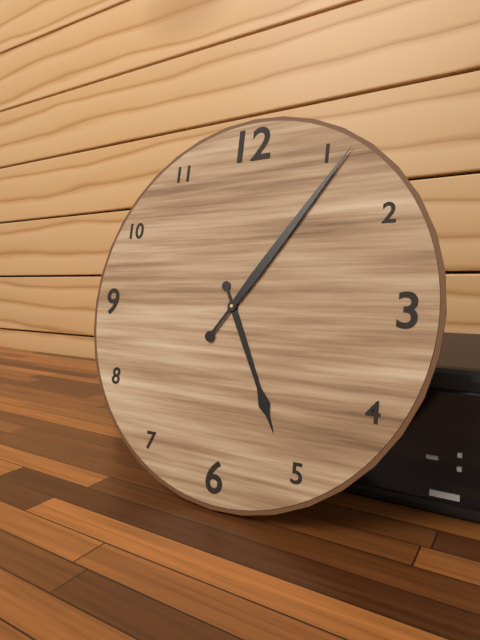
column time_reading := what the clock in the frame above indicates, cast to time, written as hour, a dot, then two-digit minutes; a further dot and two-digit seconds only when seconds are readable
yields 5.06
